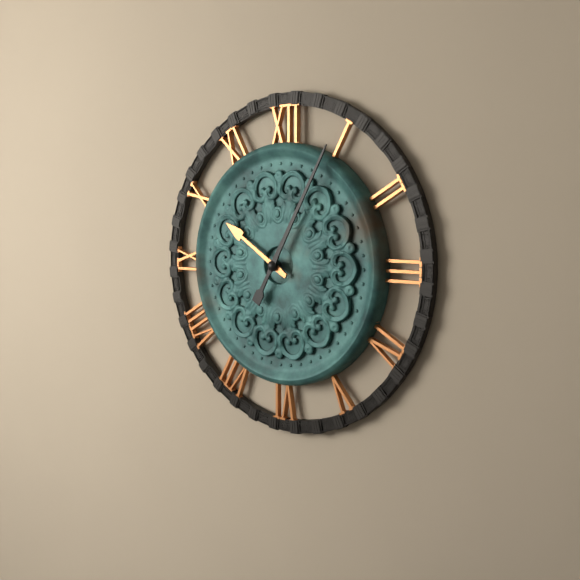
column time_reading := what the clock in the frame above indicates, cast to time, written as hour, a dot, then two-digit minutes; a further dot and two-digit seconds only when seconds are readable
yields 10.05
